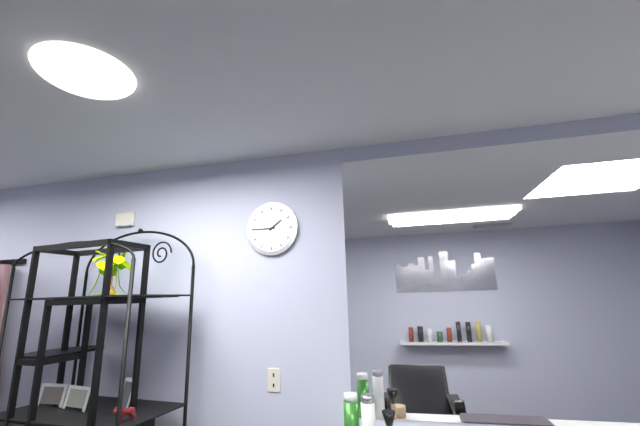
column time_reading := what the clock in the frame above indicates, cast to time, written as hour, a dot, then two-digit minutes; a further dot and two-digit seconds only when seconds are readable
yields 1.45
